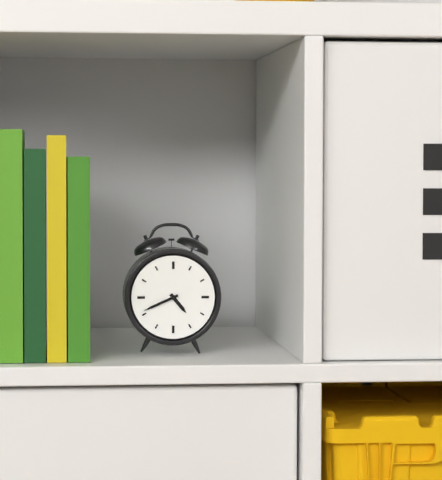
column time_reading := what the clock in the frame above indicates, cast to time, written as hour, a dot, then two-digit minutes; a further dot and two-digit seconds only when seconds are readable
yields 4.41
